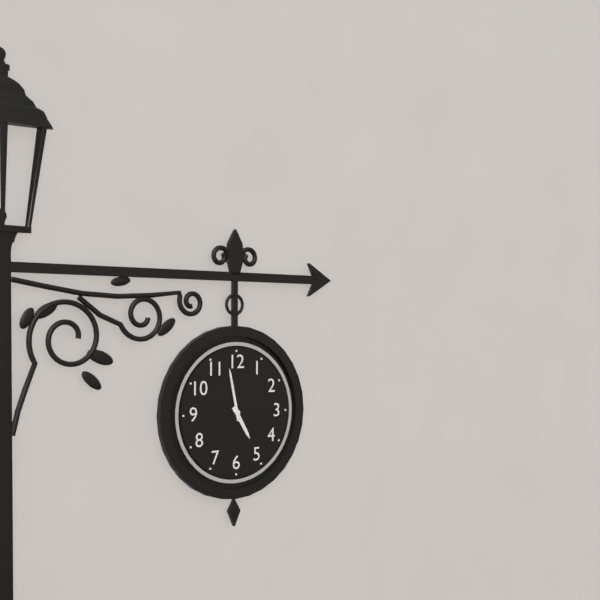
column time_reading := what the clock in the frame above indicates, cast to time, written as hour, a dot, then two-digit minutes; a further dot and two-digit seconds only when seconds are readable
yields 4.58
